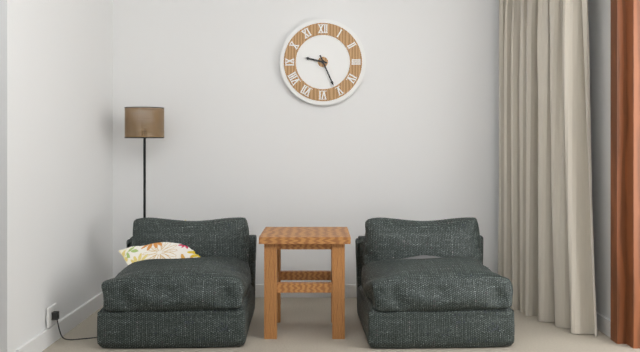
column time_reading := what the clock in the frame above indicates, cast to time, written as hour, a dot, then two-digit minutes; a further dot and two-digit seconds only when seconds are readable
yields 9.26
